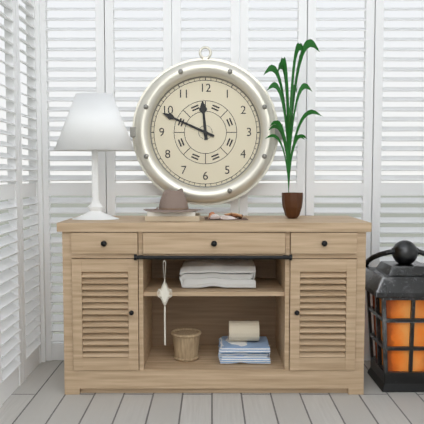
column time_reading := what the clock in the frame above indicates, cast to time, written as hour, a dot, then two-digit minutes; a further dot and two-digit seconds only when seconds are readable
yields 11.49
